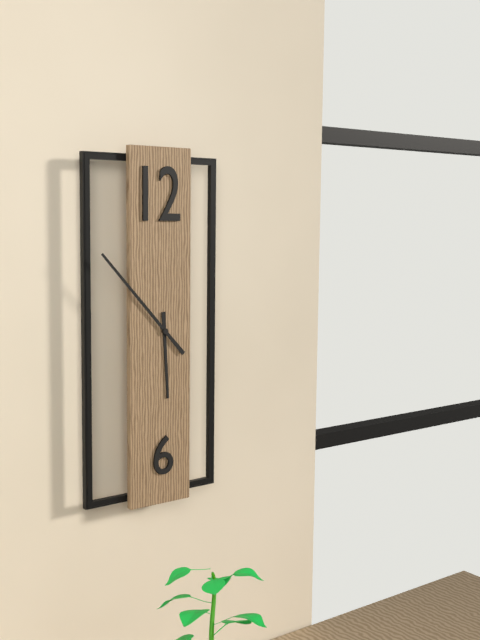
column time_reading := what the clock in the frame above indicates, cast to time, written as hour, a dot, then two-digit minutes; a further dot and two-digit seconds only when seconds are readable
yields 5.53
